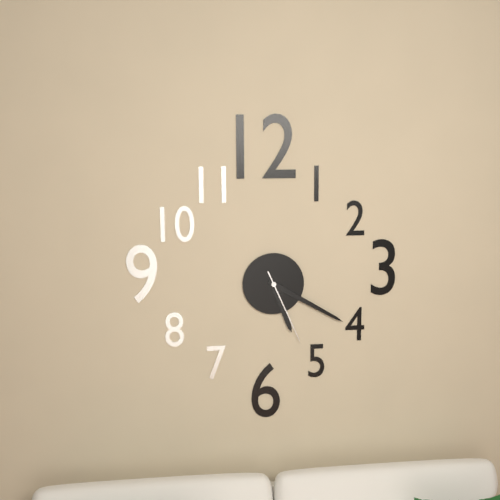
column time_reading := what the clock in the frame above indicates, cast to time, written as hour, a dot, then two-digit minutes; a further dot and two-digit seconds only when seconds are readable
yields 5.20.26
